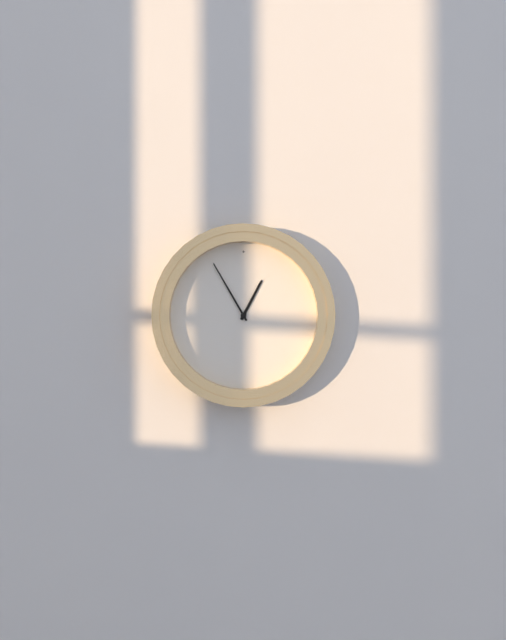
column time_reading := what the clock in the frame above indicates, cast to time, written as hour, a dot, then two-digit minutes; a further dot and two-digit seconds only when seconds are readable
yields 12.55
